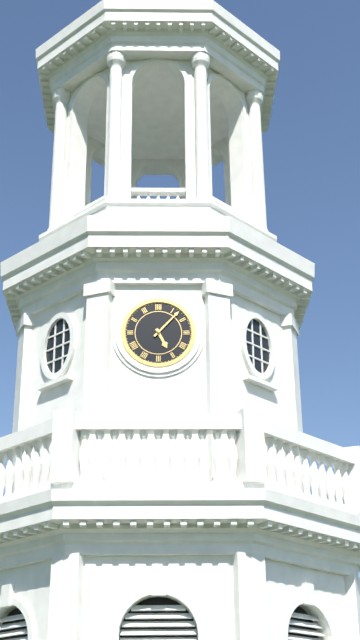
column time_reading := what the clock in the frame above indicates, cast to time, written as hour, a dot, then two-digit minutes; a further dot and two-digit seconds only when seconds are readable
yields 5.07
